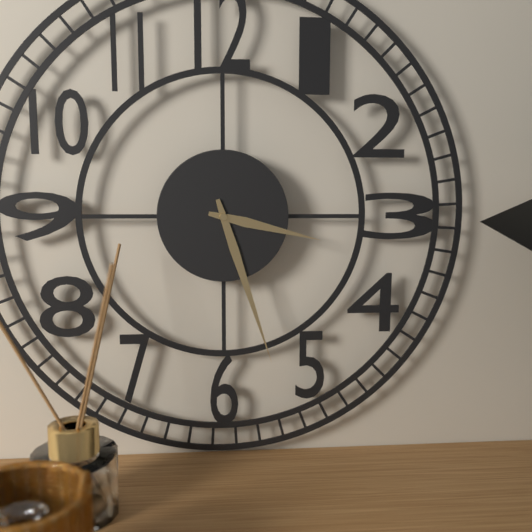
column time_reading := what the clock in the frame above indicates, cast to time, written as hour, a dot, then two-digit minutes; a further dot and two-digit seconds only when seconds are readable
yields 3.27
